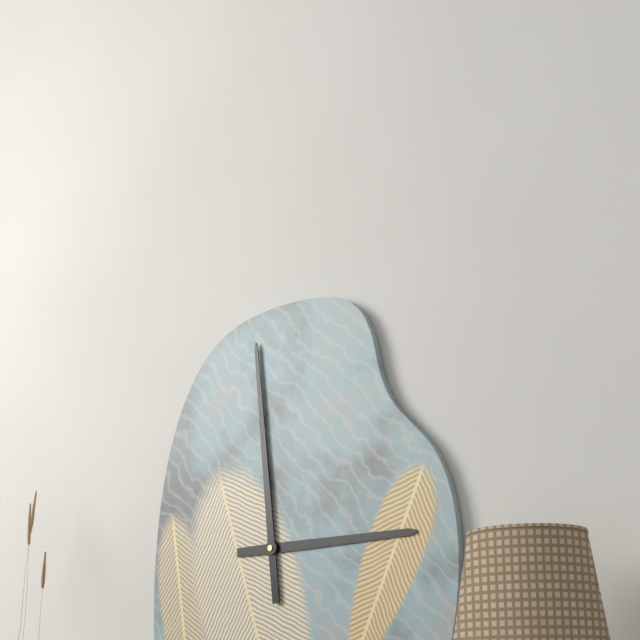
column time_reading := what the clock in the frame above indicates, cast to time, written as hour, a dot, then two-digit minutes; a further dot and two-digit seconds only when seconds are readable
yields 2.59
